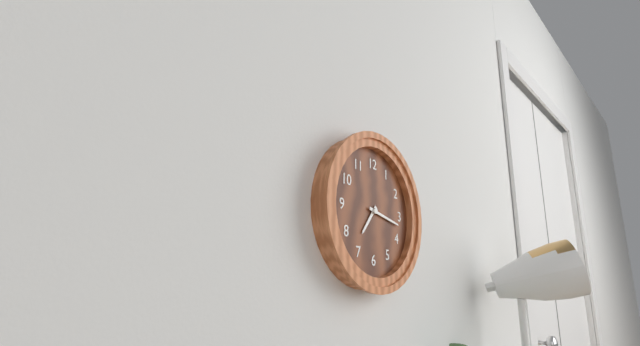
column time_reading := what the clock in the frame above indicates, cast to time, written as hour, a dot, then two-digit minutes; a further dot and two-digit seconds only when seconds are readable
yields 7.17
